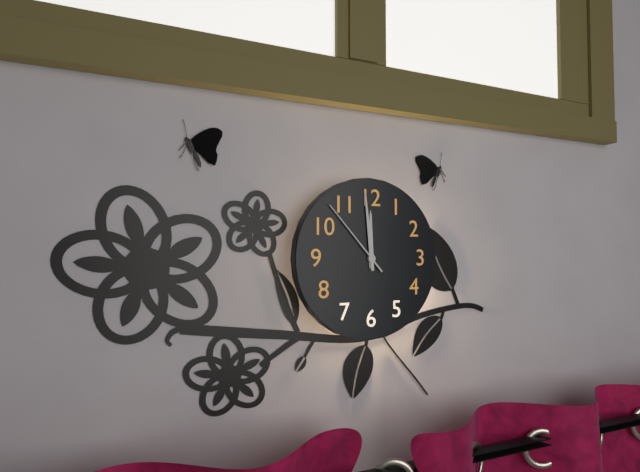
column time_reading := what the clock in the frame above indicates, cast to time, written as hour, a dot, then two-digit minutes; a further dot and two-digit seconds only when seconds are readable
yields 11.59.53
